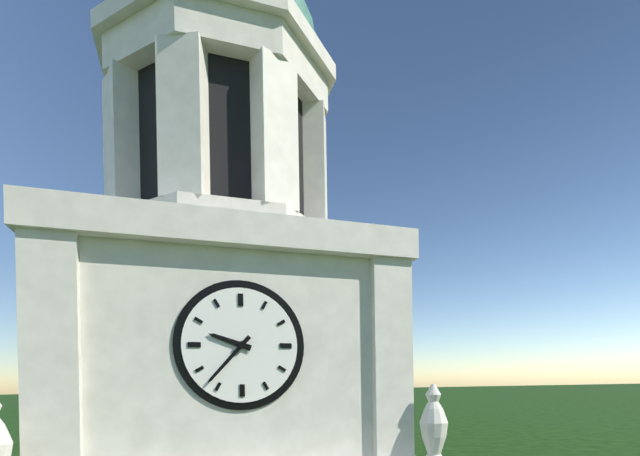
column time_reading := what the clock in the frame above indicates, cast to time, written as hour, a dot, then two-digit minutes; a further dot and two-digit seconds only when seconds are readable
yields 9.37
